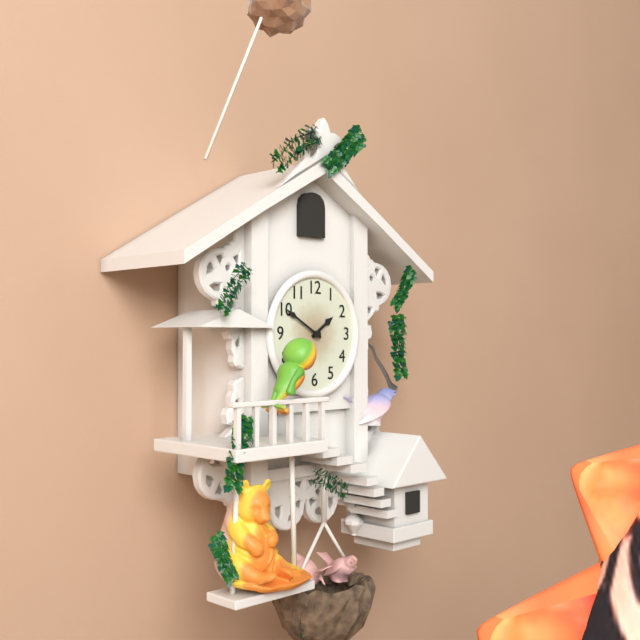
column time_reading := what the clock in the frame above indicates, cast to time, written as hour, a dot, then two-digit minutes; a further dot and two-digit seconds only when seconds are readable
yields 1.50
